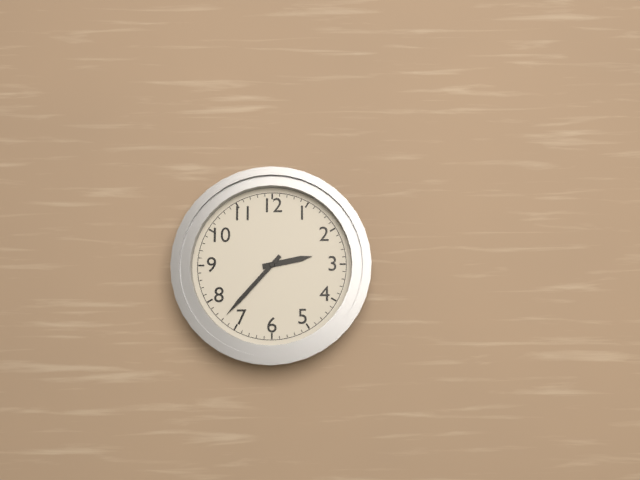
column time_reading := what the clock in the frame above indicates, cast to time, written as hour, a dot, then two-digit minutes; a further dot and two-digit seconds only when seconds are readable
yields 2.37
